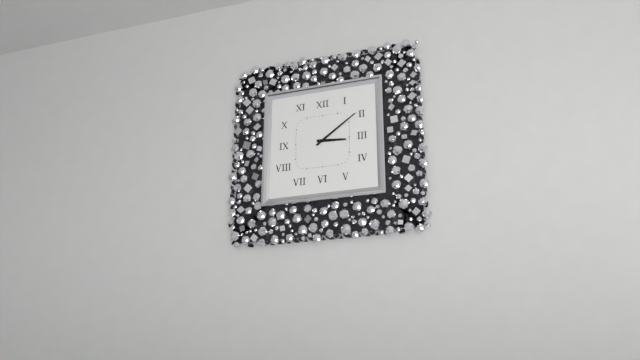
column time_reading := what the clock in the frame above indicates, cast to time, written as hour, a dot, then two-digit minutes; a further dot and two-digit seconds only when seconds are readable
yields 3.09
